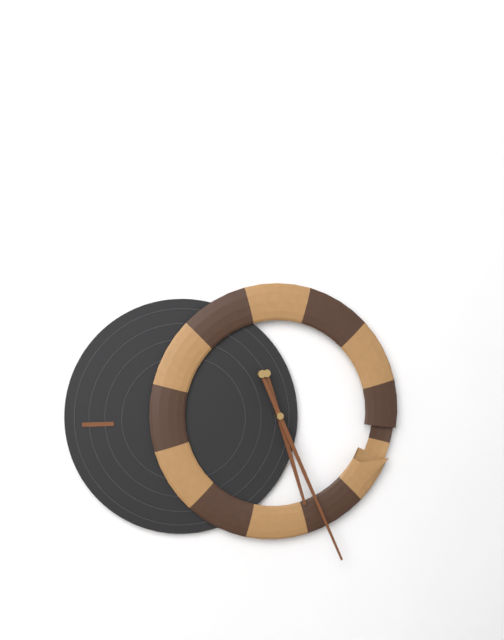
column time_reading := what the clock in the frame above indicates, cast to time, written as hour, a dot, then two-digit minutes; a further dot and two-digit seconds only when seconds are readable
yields 5.26
